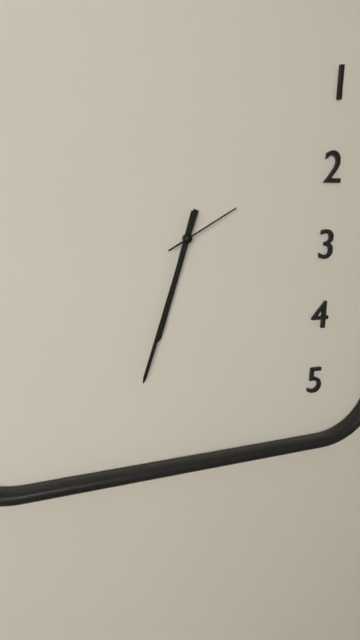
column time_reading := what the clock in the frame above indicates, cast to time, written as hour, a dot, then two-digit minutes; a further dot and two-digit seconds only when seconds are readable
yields 6.33.10
